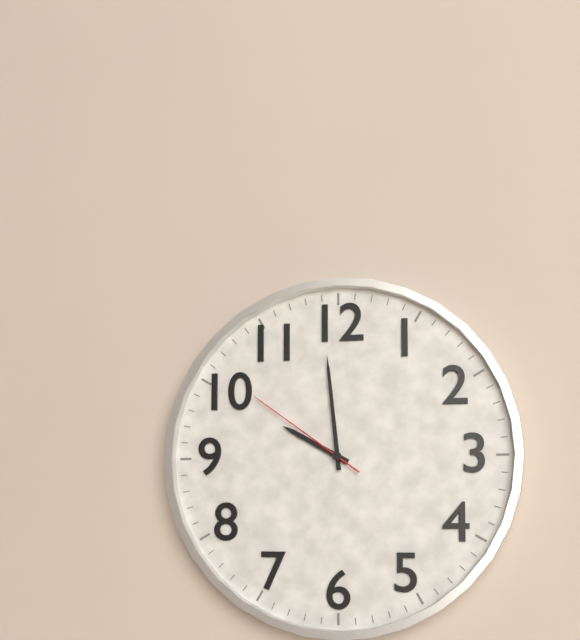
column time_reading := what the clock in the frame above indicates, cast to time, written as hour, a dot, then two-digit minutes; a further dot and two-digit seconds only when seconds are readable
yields 9.59.51
